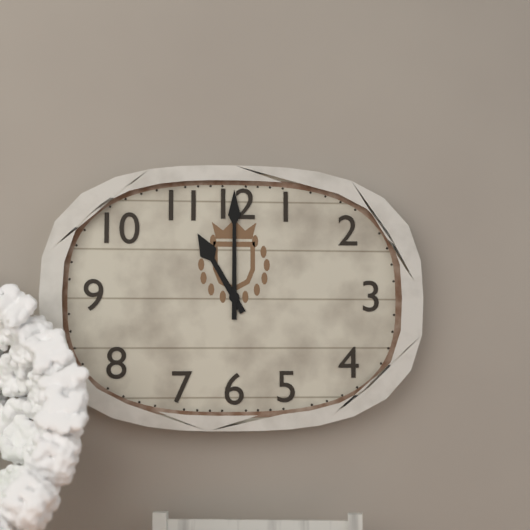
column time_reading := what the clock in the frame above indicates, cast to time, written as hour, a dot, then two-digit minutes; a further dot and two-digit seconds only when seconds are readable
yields 11.00
